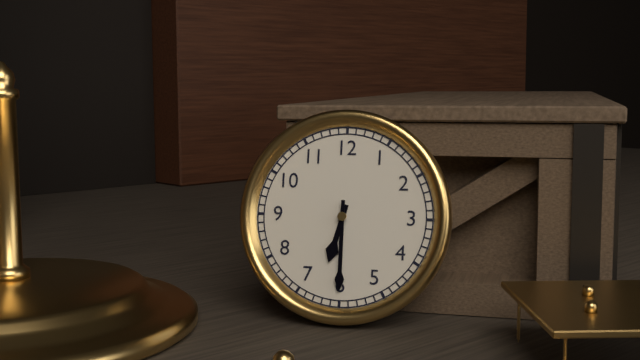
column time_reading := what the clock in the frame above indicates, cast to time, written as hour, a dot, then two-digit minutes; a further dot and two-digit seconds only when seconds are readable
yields 6.30
